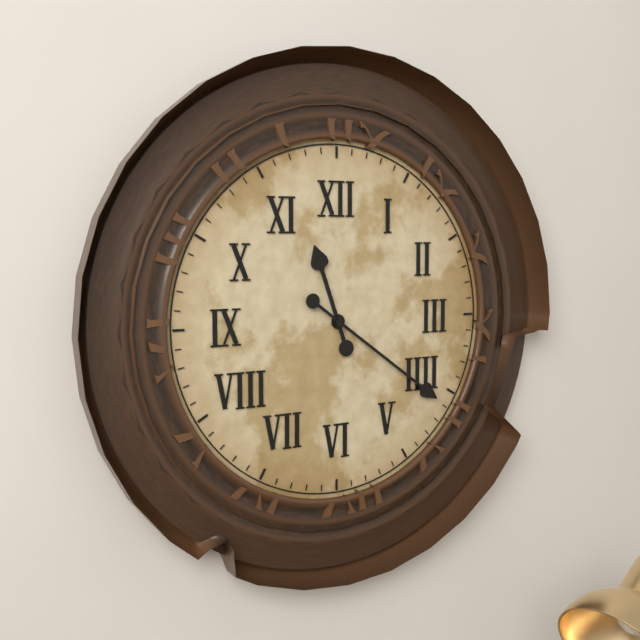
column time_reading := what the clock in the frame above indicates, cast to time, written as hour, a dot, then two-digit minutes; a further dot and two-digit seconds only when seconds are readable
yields 11.21
